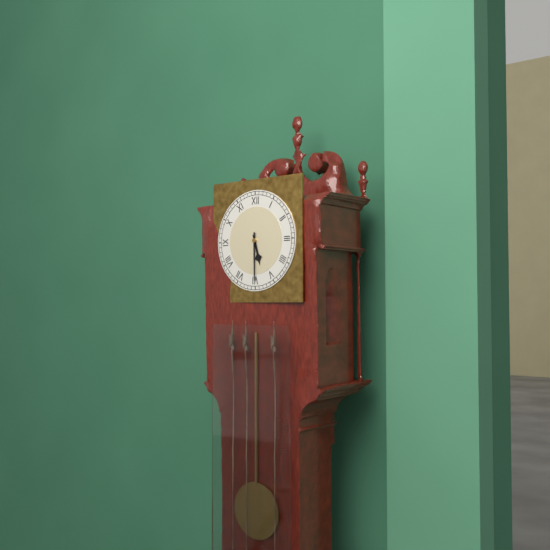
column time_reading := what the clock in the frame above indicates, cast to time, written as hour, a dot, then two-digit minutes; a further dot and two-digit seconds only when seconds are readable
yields 5.30
